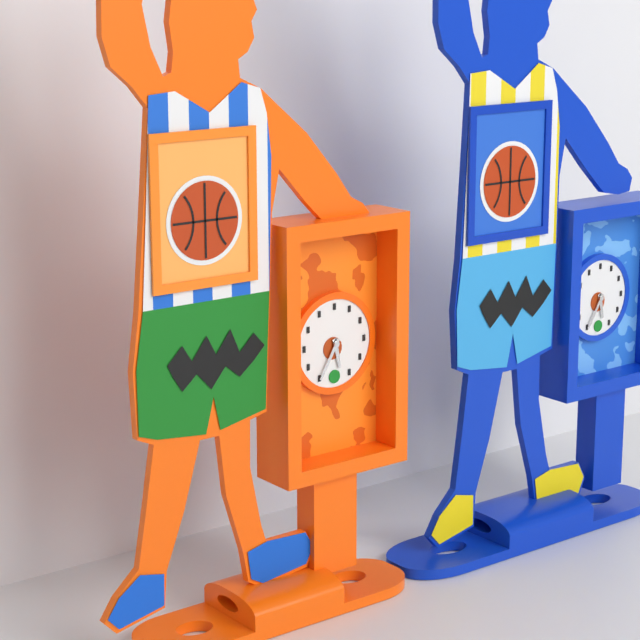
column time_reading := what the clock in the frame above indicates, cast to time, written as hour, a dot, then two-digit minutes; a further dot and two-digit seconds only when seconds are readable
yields 5.35
